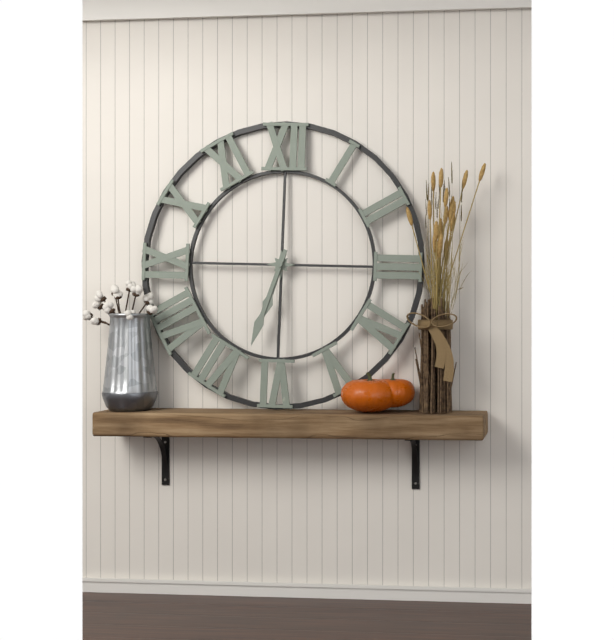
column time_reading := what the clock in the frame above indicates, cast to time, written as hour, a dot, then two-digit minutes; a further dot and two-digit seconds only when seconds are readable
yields 6.33
